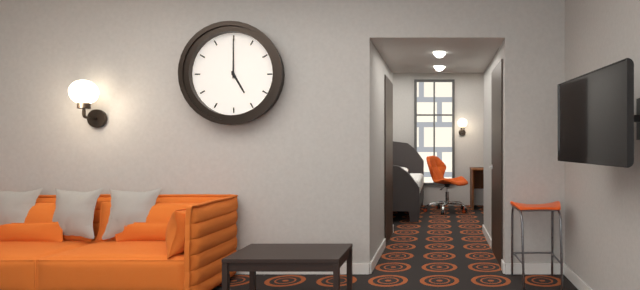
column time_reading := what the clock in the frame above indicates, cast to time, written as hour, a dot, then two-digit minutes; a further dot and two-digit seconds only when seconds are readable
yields 5.00
